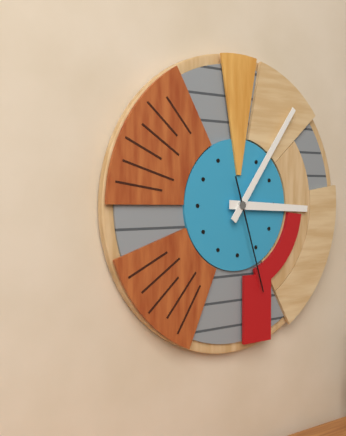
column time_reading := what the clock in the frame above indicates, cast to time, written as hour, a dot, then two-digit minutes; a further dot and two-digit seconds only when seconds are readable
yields 3.06.27
